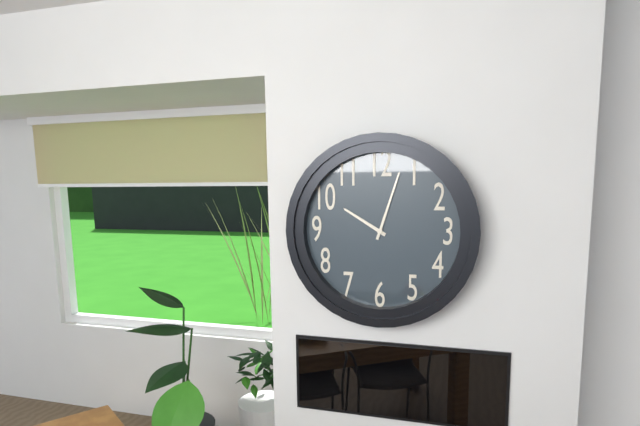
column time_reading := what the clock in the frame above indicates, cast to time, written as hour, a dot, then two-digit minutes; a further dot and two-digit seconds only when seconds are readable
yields 10.03
